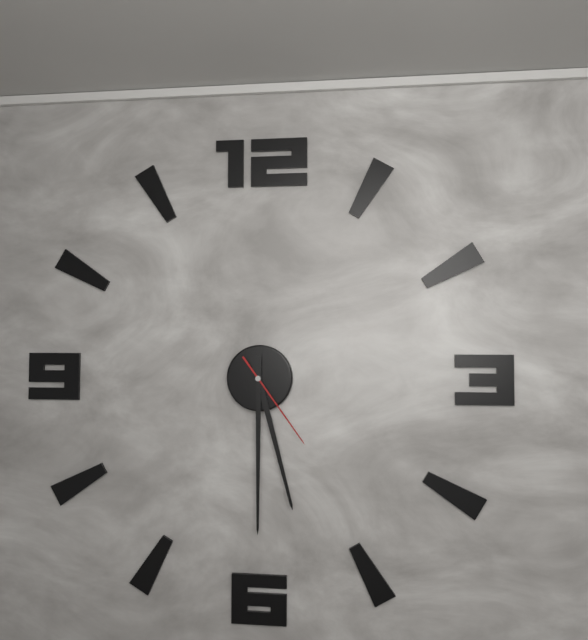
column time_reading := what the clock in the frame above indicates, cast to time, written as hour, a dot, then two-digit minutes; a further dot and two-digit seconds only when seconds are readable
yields 5.30.24
